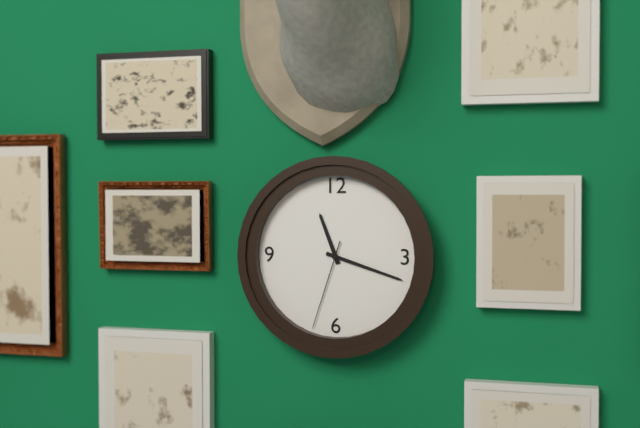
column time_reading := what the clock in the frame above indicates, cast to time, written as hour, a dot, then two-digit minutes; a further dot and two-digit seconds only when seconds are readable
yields 11.18.33
